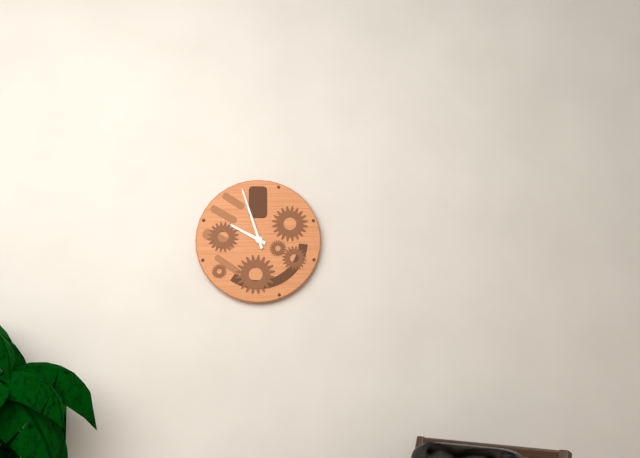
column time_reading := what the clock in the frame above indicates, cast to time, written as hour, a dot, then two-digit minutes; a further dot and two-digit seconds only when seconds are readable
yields 9.57
